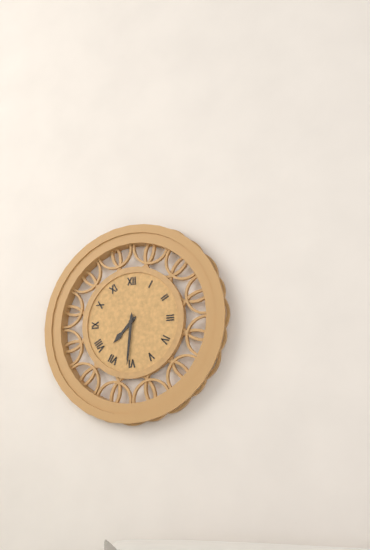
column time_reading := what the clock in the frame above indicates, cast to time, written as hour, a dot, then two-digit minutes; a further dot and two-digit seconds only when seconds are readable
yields 7.31
